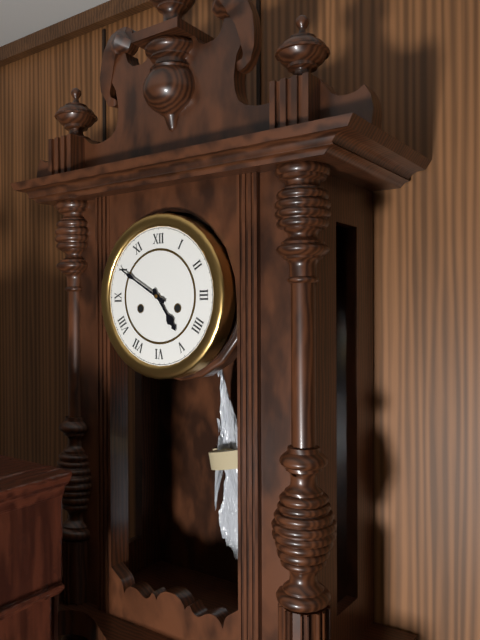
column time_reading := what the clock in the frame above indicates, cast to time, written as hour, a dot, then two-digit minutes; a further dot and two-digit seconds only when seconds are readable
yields 4.50
